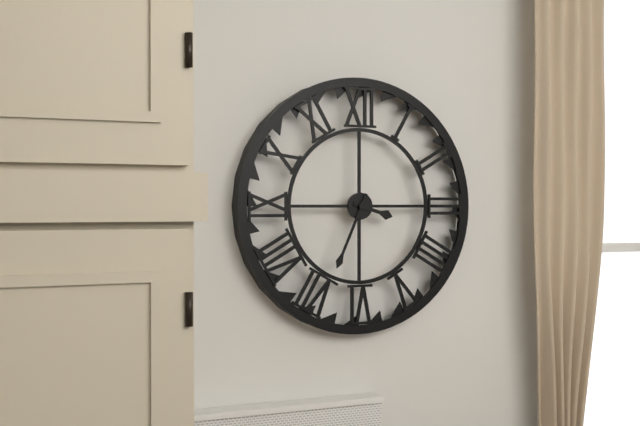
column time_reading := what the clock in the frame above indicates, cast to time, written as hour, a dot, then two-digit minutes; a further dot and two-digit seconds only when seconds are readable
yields 3.34
